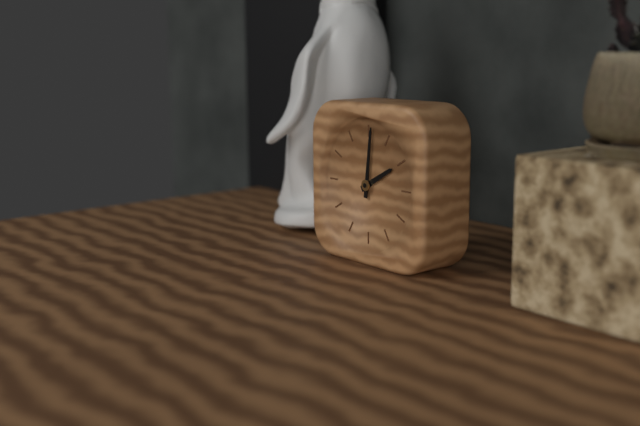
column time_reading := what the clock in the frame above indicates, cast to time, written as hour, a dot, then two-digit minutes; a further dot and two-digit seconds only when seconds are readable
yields 2.01
